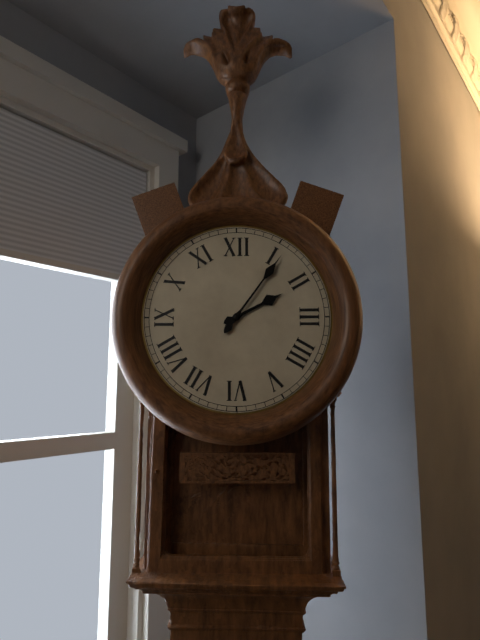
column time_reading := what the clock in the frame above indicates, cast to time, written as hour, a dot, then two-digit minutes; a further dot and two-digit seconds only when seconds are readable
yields 2.06
